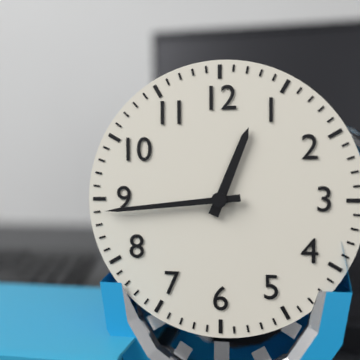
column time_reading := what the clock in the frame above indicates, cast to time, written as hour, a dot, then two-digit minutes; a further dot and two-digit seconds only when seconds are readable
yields 12.44
